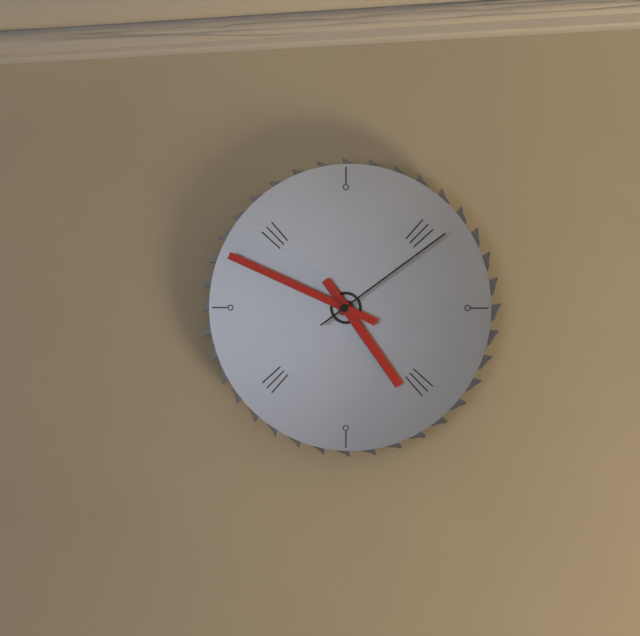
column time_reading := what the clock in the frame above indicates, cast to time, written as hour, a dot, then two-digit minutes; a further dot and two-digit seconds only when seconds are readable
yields 4.49.09
